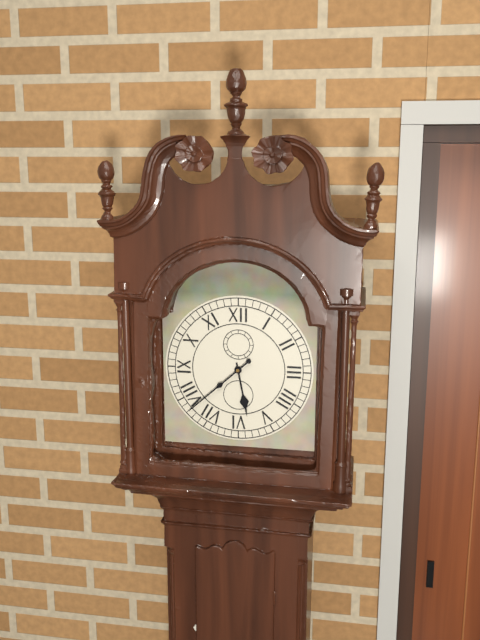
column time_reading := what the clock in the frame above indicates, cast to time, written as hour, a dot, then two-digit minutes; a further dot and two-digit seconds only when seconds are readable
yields 5.38
